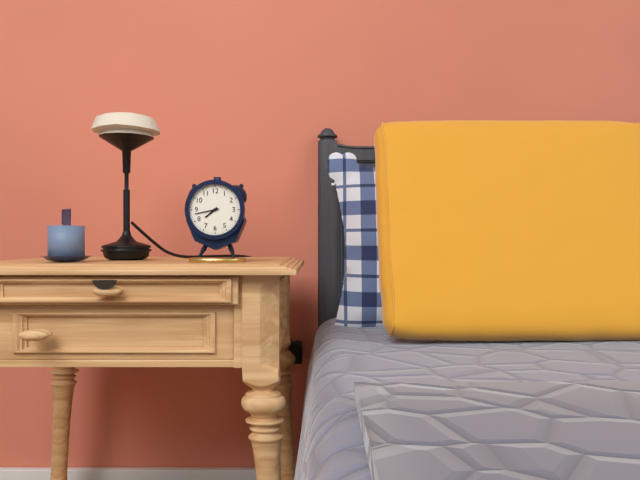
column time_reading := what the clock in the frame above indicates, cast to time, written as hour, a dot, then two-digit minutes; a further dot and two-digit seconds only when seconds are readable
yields 7.43
